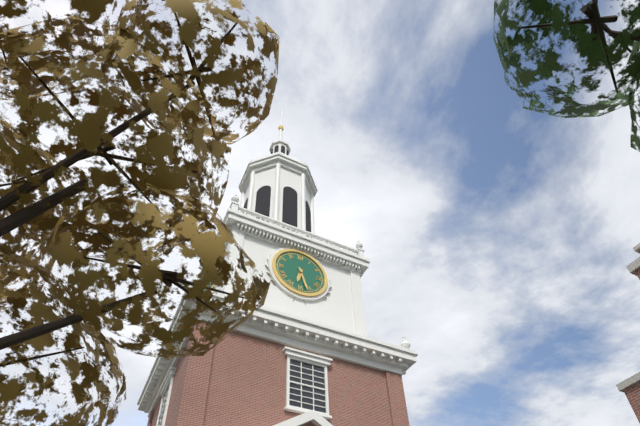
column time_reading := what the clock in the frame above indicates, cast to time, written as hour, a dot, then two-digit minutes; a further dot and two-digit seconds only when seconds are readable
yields 6.27
